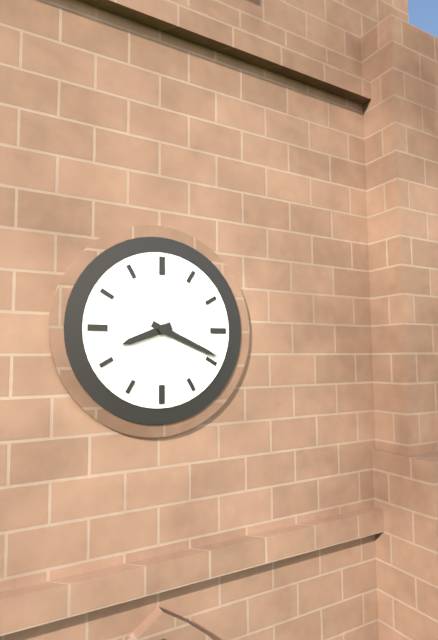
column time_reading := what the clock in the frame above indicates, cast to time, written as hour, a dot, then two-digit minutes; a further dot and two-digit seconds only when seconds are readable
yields 8.19
